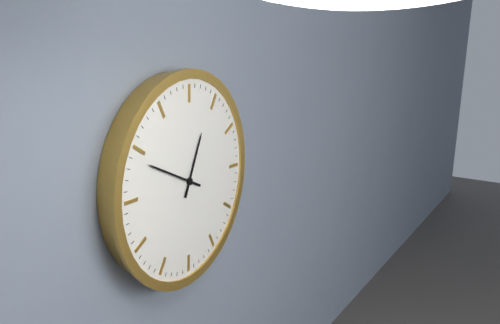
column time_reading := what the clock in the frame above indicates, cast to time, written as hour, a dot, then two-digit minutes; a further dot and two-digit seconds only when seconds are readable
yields 12.49
